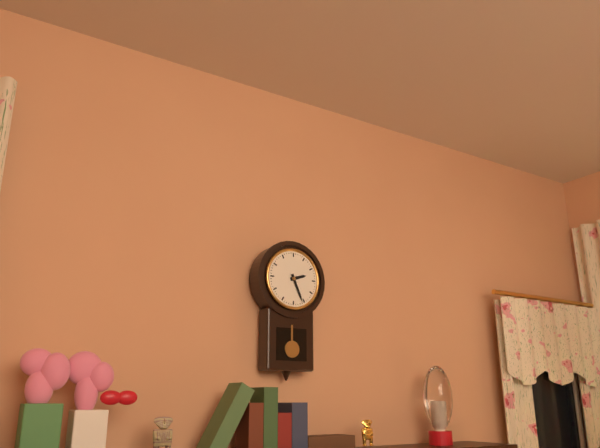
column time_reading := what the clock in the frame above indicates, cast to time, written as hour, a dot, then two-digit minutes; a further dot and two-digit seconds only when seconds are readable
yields 2.26
